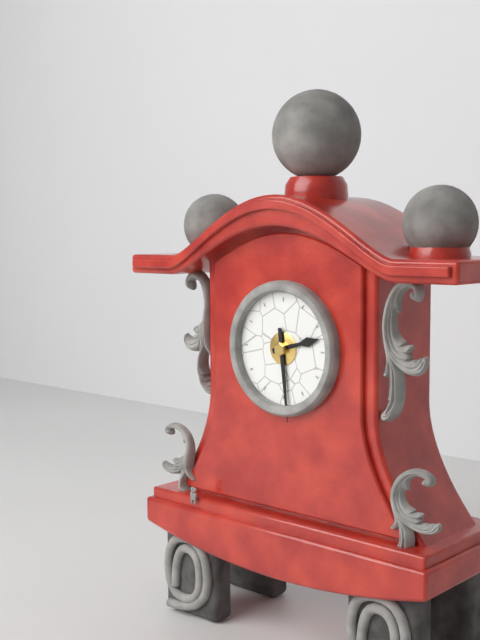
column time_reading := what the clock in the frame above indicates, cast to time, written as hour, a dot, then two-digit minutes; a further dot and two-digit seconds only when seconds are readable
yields 2.29
